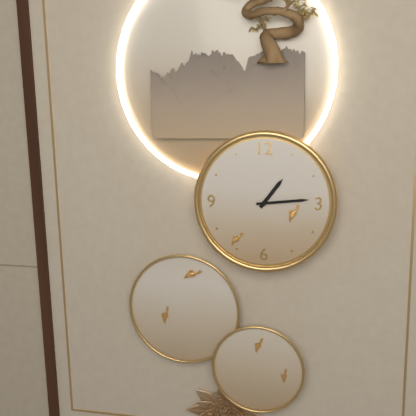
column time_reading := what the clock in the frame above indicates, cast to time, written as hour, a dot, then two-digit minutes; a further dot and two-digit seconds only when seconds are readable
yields 1.14
